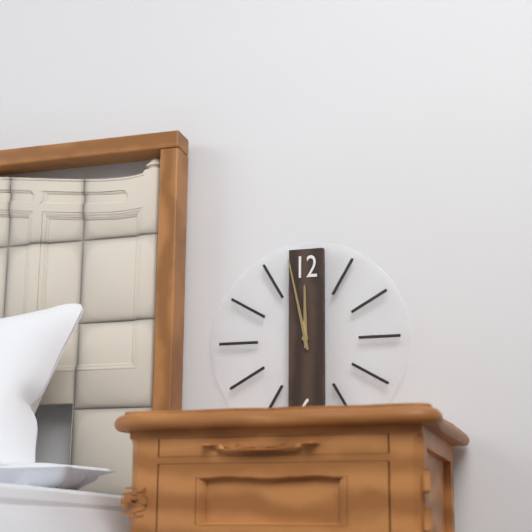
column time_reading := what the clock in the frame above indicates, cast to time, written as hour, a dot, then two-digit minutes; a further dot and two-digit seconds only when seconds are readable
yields 11.58
